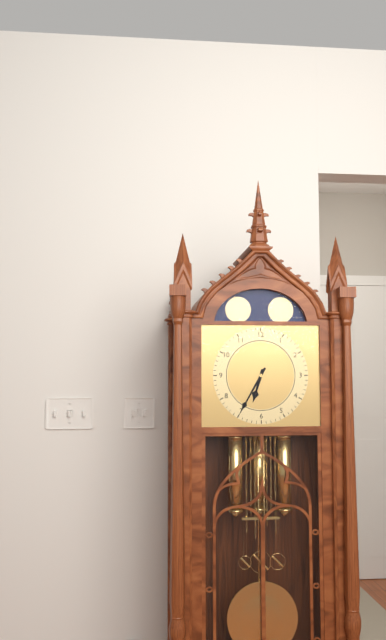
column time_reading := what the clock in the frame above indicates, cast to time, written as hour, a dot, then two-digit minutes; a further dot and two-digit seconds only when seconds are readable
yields 6.35
